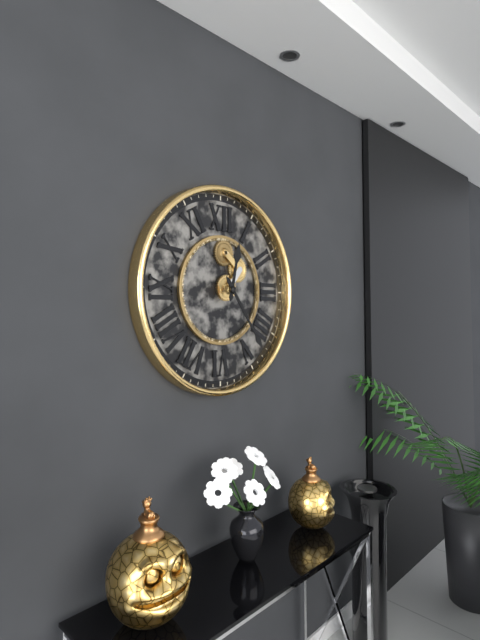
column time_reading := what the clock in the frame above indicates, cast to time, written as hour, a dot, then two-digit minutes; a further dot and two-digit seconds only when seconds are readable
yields 12.24
